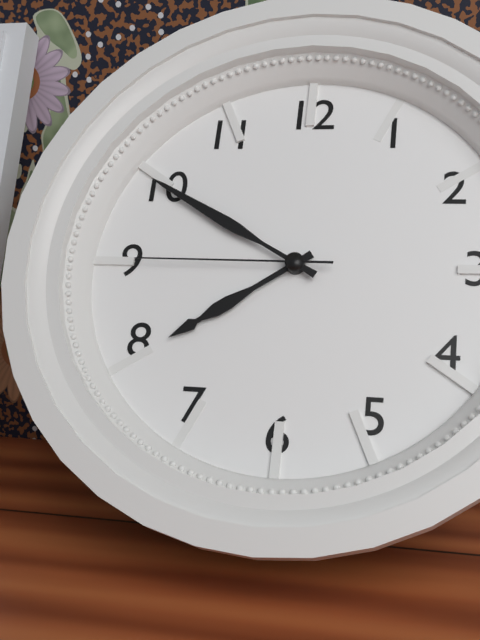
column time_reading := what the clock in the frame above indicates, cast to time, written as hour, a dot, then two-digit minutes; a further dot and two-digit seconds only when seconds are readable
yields 7.50.45
